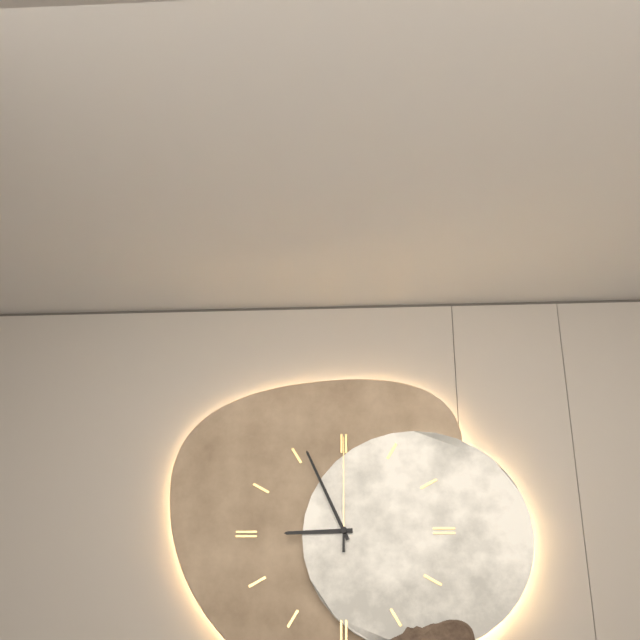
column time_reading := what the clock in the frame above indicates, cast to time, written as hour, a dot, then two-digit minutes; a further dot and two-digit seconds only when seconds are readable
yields 8.56.00
